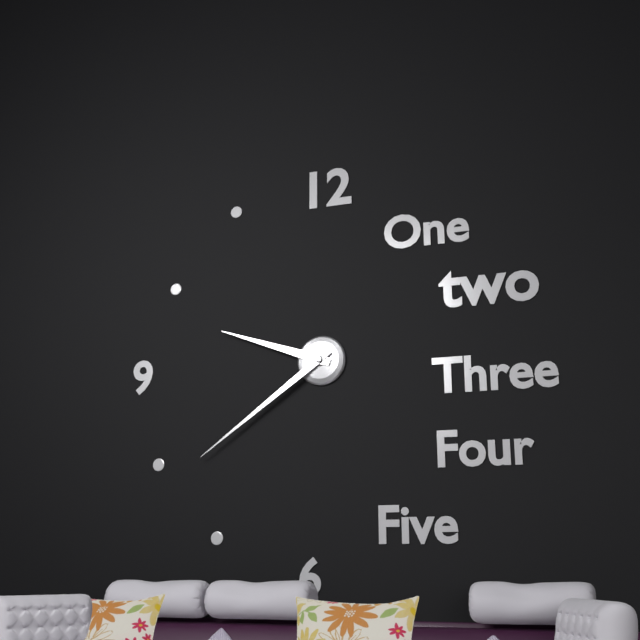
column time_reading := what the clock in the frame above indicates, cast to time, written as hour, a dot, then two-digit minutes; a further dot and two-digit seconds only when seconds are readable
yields 9.39
